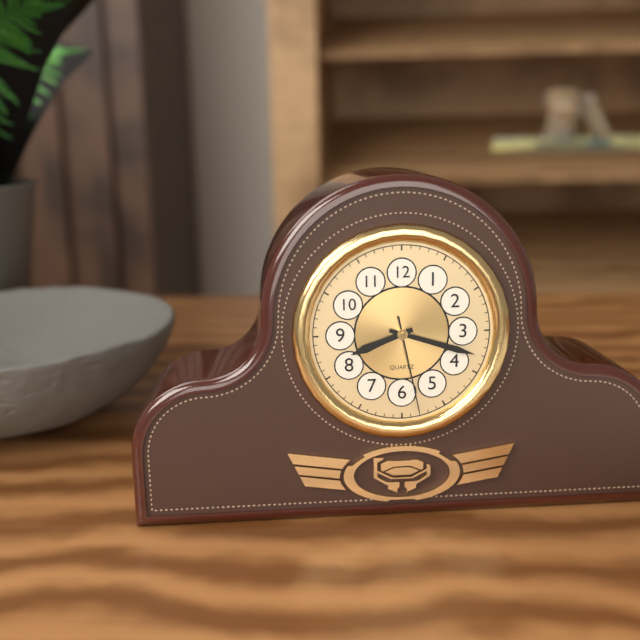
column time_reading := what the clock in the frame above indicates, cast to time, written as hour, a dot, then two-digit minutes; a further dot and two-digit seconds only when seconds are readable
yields 8.18.28
